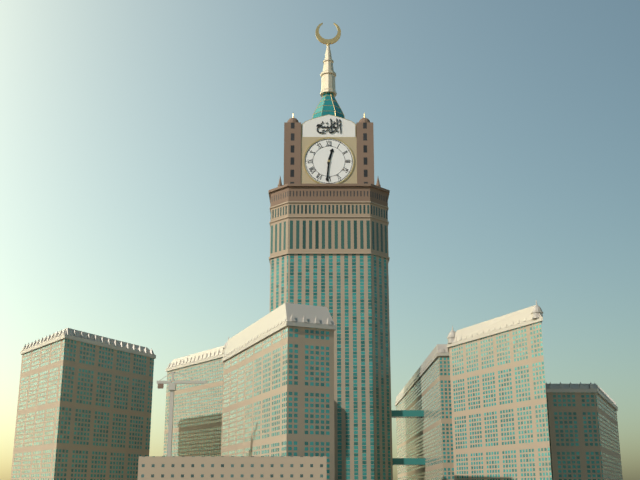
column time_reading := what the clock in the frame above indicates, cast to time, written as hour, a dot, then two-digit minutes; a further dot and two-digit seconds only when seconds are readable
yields 12.31
